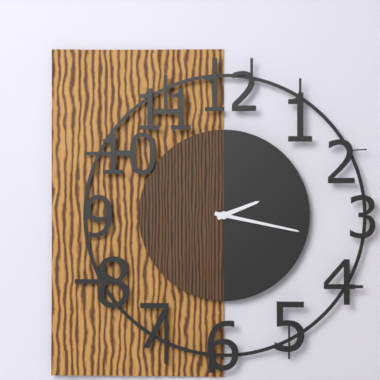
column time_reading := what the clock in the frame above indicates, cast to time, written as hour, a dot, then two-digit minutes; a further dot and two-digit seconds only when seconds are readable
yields 2.17
